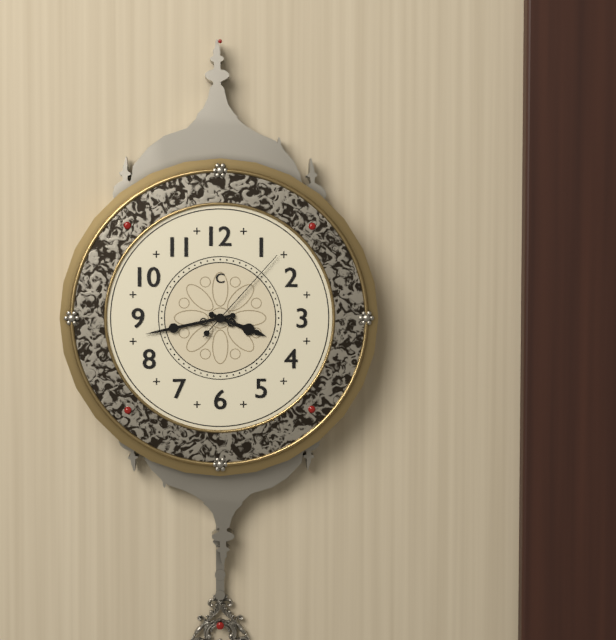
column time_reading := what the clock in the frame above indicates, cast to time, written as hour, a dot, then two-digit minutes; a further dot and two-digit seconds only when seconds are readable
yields 3.43.07
